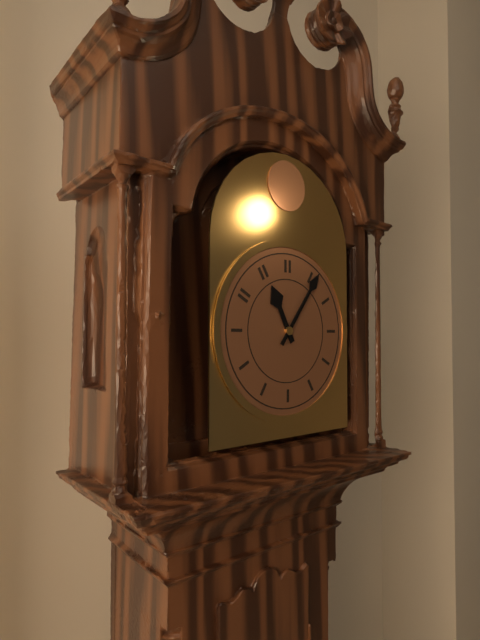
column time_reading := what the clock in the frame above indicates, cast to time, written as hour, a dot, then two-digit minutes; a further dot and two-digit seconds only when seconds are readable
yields 11.06
